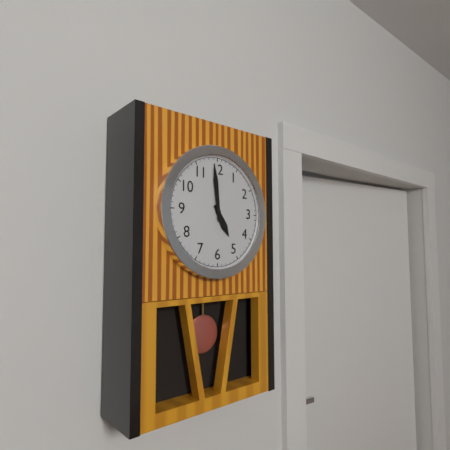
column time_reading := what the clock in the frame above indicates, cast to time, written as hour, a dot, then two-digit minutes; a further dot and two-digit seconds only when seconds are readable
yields 4.59
